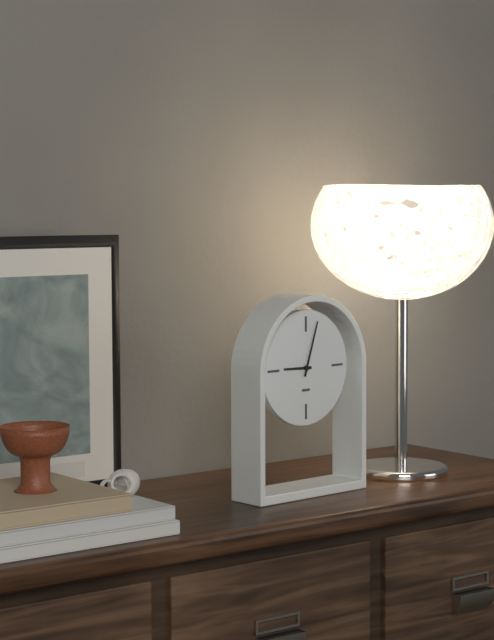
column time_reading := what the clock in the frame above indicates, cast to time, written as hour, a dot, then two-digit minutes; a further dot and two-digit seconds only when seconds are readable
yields 9.03
